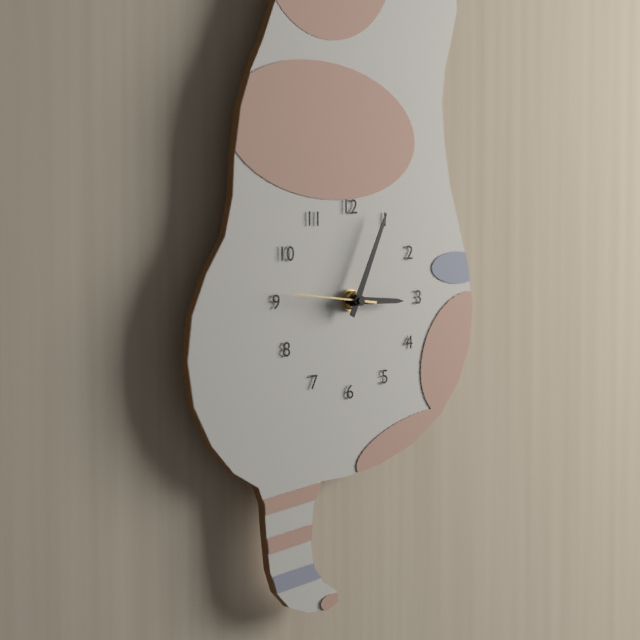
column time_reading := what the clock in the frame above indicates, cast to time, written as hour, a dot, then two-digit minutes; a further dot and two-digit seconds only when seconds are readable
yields 3.04.46
